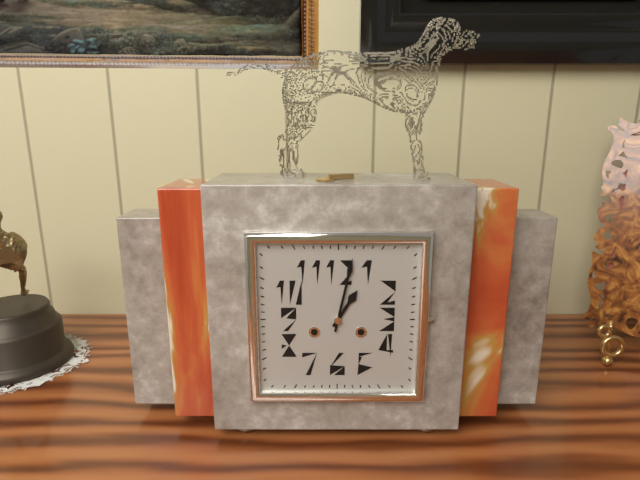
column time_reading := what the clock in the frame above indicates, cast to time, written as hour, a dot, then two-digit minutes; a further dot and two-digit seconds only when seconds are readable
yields 1.02
